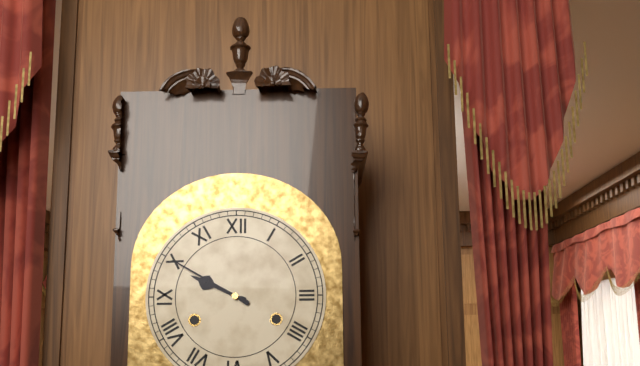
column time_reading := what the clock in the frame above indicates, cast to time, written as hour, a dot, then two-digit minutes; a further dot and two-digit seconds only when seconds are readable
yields 9.50
